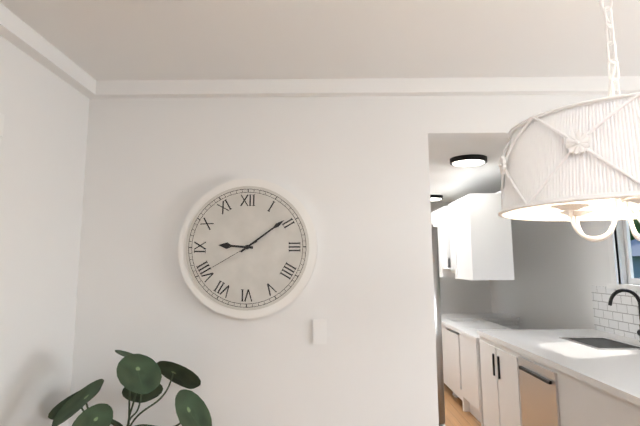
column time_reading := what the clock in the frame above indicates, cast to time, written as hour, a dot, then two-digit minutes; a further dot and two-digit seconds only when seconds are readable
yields 9.09.40
